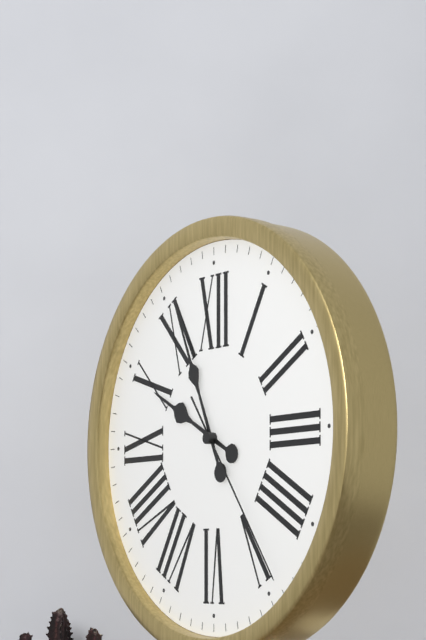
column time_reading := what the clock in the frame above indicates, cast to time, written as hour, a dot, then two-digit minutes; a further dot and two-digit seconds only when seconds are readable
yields 9.56.24
